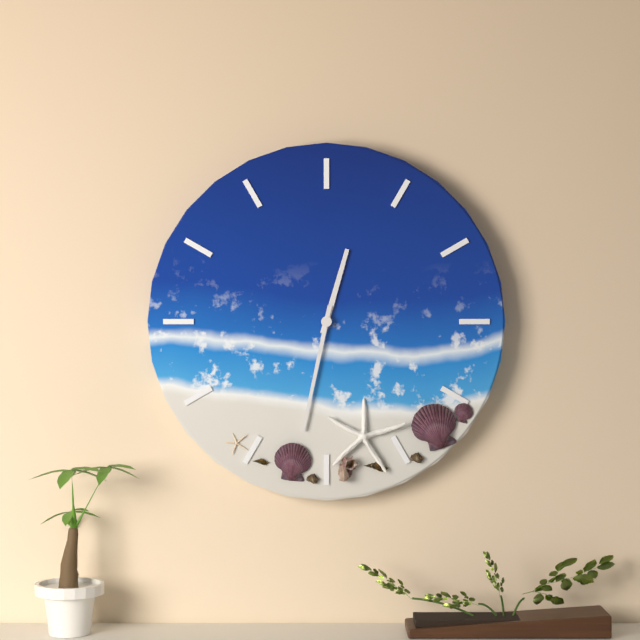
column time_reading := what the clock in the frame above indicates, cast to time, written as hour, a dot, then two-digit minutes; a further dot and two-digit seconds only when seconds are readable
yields 12.32
